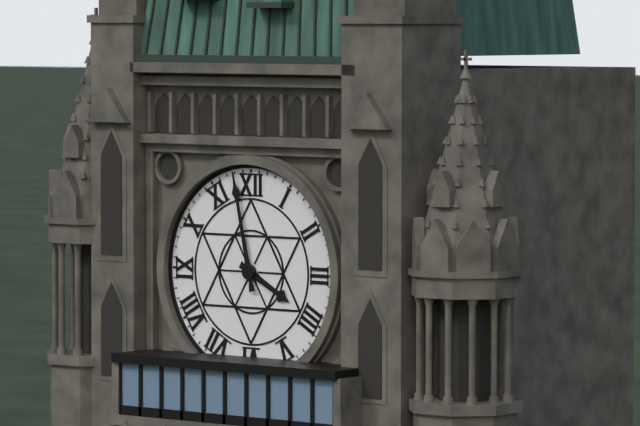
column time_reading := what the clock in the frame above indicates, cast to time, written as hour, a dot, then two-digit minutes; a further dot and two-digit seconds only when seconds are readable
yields 3.58
